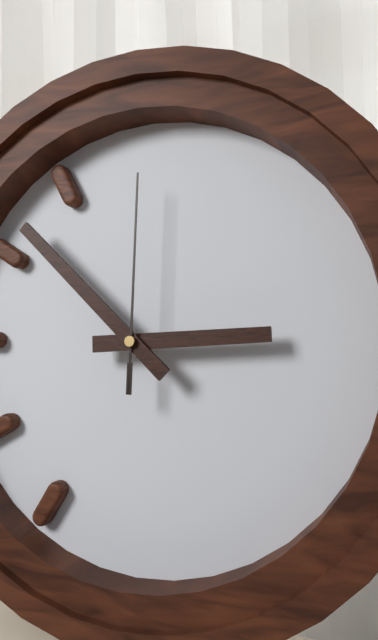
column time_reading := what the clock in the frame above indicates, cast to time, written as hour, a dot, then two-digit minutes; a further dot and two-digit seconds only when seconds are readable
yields 2.52.00
